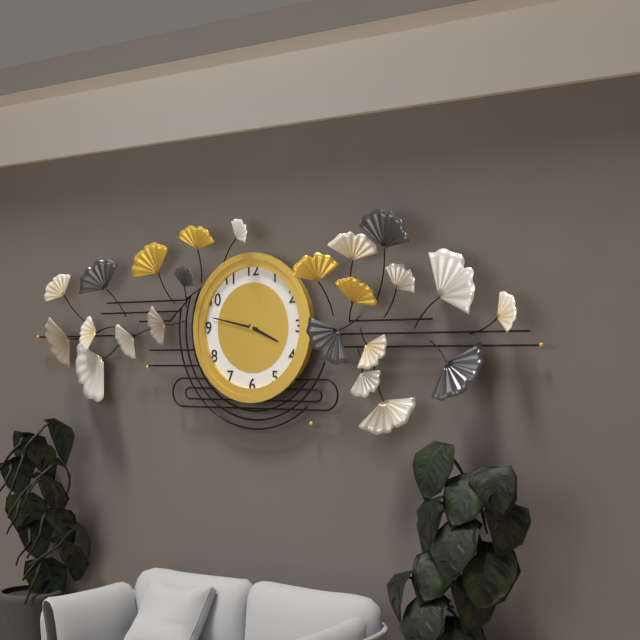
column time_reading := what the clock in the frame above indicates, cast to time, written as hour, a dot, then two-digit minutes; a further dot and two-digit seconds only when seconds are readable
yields 3.47
